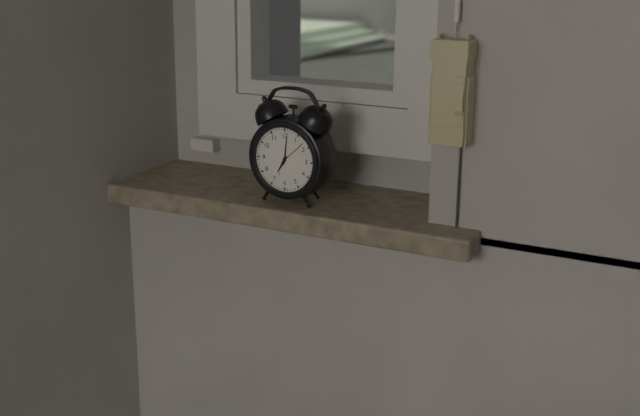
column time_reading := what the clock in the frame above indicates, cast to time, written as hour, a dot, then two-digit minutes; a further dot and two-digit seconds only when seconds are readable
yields 7.01
